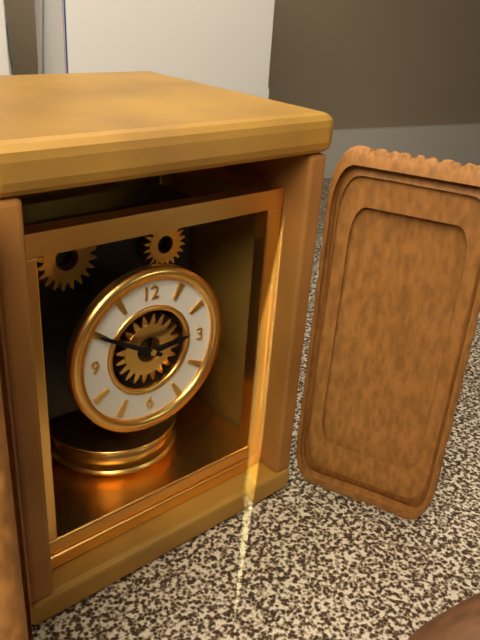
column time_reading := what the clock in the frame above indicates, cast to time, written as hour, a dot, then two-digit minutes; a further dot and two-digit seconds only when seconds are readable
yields 2.50
